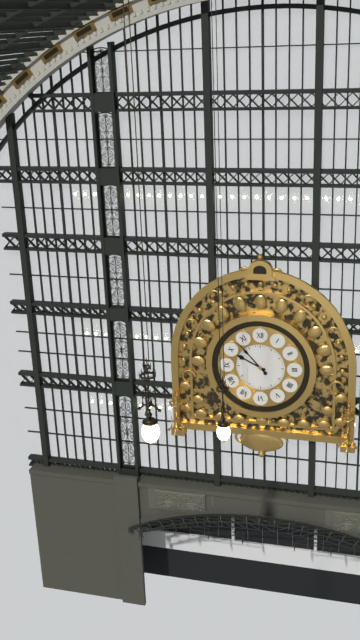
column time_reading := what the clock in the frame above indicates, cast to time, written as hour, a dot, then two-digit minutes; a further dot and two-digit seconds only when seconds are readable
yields 9.53
